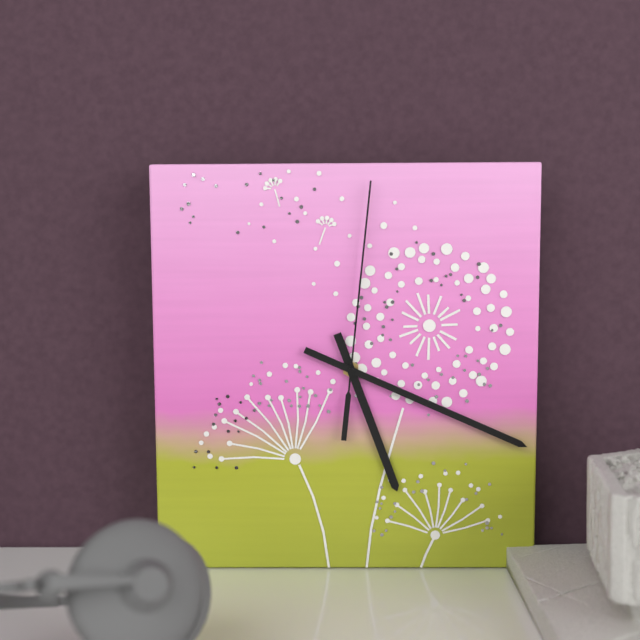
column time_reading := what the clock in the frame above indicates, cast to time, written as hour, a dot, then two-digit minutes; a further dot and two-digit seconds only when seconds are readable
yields 5.19.01
